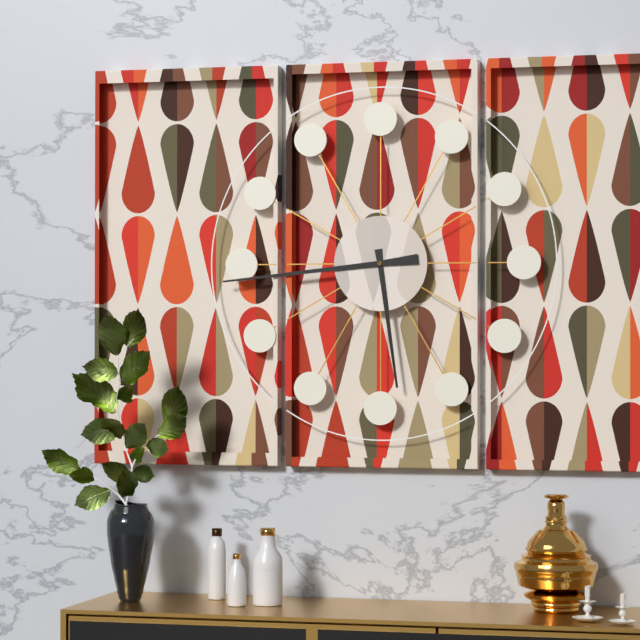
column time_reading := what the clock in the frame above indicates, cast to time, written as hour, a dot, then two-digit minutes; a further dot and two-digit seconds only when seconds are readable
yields 5.44
